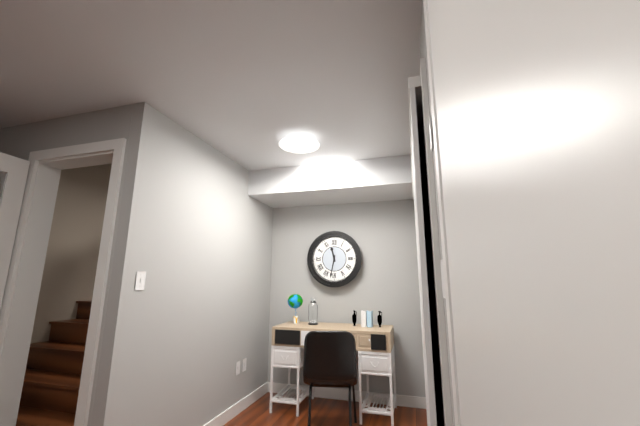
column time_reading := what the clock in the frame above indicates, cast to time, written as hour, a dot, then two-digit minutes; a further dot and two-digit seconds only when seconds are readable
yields 11.32
